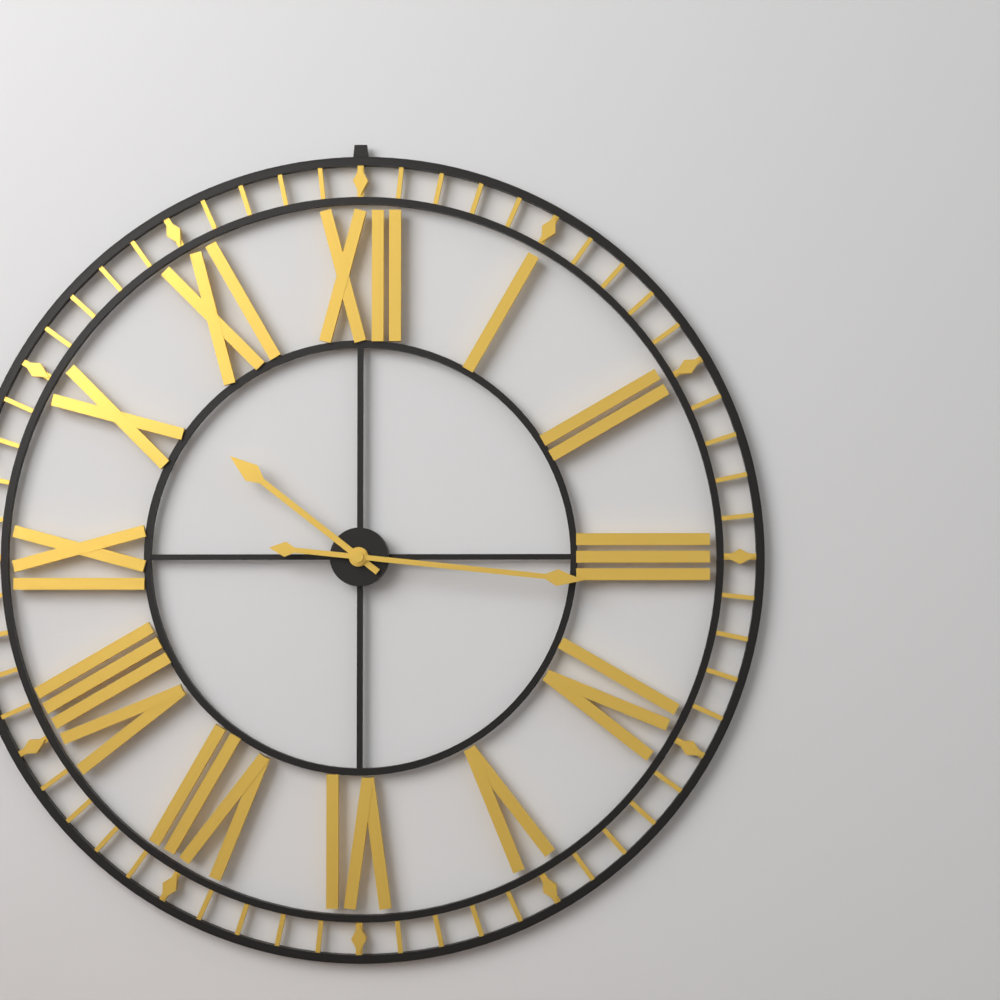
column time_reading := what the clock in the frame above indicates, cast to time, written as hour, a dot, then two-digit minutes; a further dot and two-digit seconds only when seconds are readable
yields 10.16
